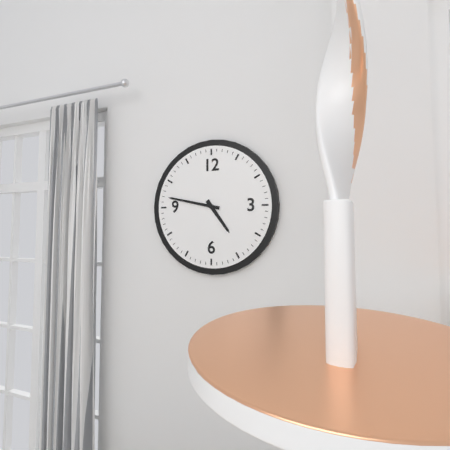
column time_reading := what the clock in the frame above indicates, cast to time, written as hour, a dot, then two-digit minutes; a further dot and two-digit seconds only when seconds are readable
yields 4.47
